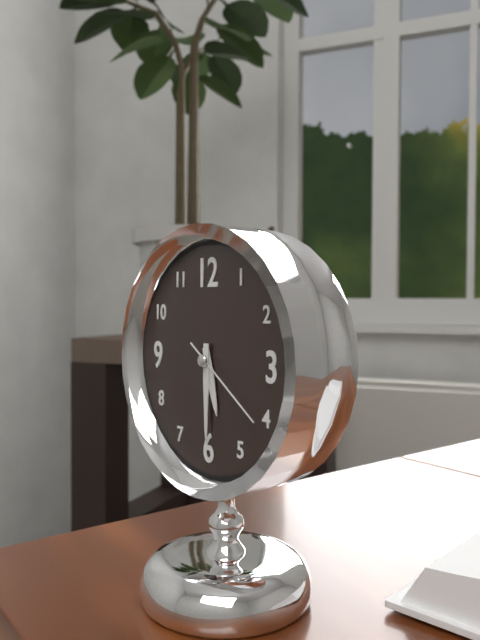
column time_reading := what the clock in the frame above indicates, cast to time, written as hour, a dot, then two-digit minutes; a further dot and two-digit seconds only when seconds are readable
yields 5.30.21
